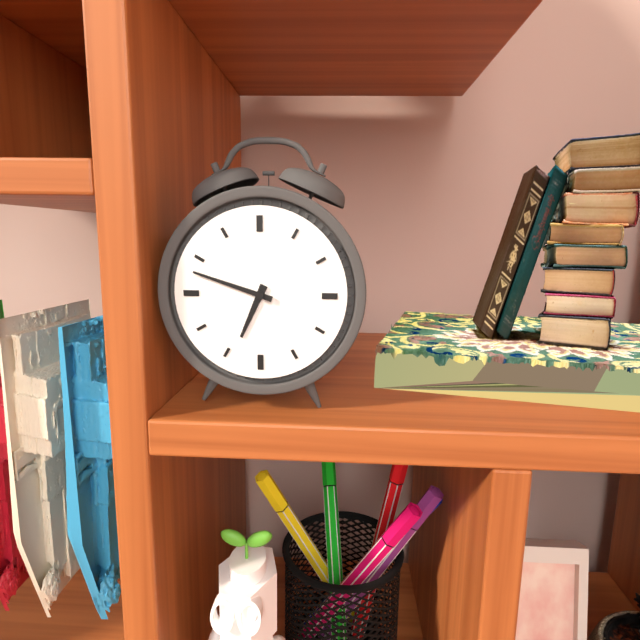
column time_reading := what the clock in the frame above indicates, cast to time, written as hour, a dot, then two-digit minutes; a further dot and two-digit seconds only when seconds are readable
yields 6.48
